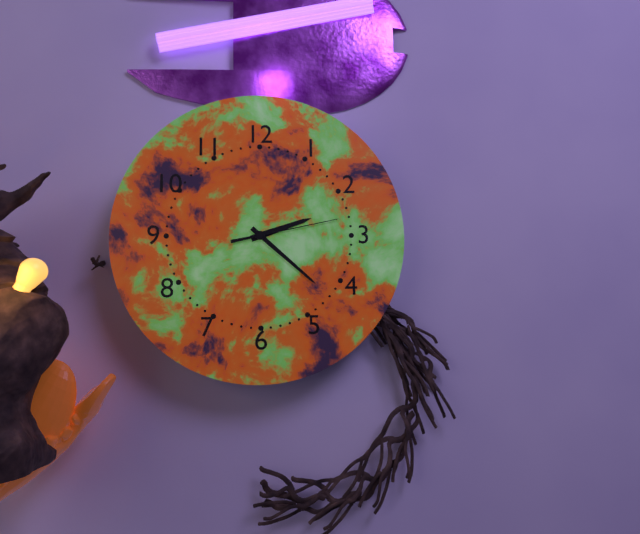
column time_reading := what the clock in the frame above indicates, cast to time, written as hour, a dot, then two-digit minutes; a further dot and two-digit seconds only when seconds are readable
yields 2.22.13
